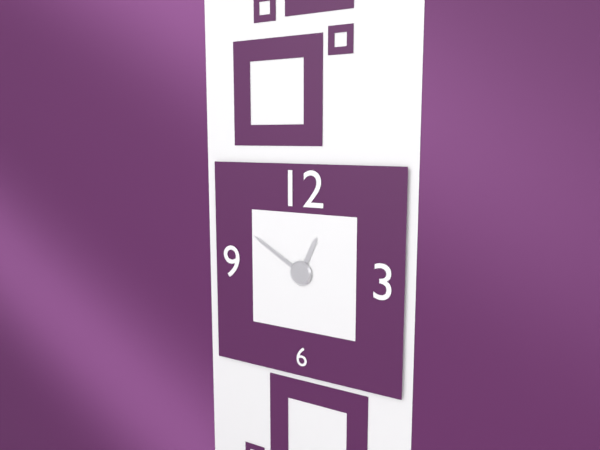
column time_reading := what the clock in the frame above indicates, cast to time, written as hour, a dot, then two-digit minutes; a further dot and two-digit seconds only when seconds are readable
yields 12.50
